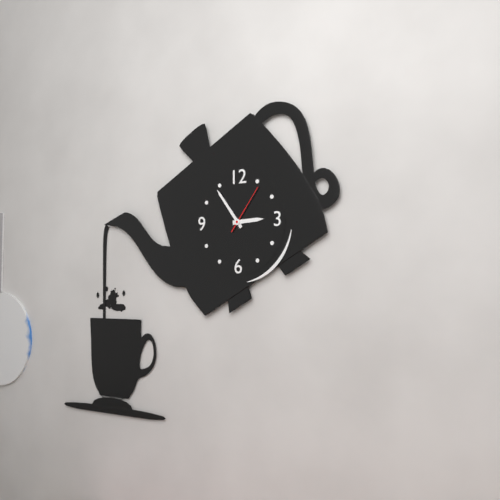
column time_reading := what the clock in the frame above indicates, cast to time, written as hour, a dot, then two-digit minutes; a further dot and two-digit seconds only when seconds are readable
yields 2.54.06
